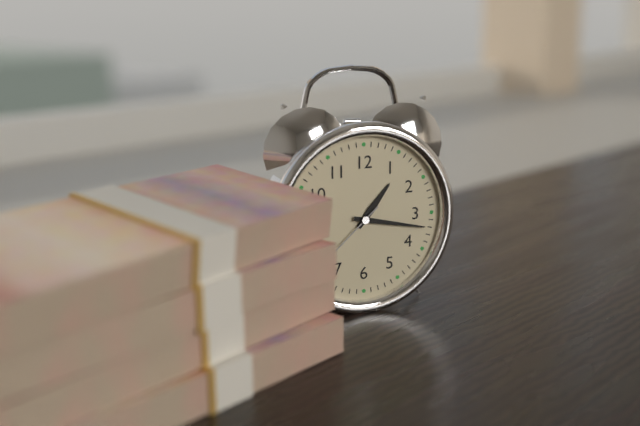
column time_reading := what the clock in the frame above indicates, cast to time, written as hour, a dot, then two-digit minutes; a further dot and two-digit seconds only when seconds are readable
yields 1.17
